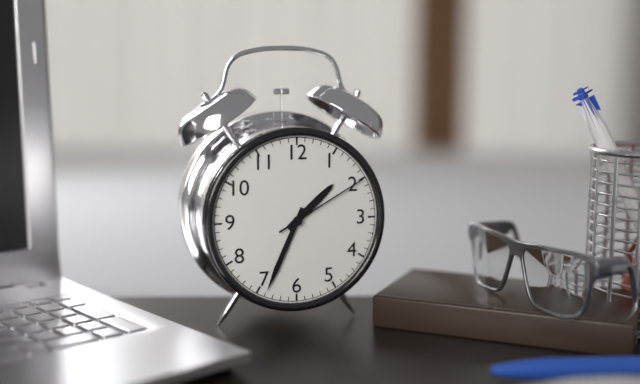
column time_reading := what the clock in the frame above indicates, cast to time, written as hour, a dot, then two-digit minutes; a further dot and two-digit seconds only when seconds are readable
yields 1.34.10
